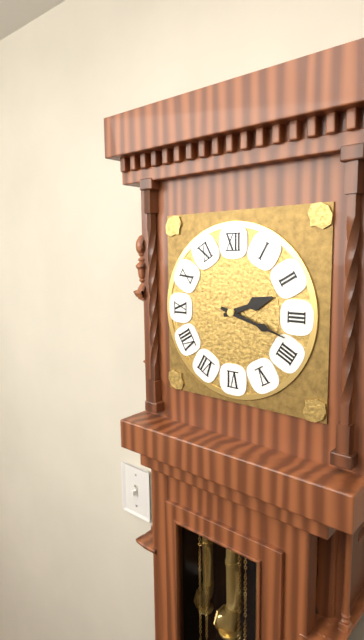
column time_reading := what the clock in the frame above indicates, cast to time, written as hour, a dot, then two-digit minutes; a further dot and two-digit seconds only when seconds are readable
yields 2.18
